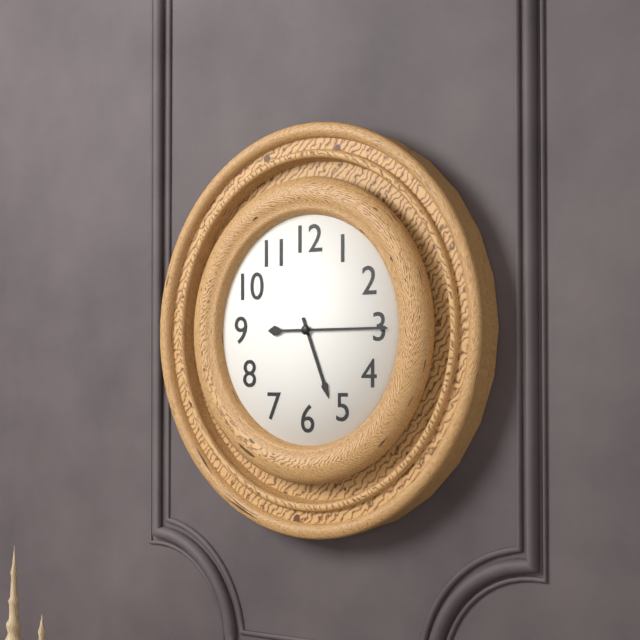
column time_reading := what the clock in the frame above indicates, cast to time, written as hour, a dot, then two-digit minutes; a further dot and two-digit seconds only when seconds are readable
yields 5.15
